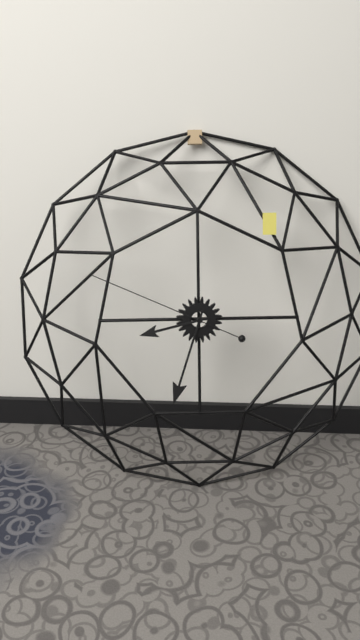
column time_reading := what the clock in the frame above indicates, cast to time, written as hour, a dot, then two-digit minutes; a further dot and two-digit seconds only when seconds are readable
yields 8.33.49
